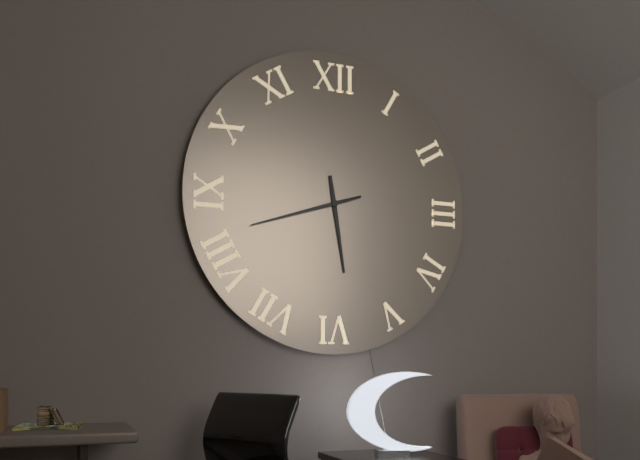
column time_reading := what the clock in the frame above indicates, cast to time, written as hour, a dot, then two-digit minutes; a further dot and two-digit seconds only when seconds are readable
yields 5.42
